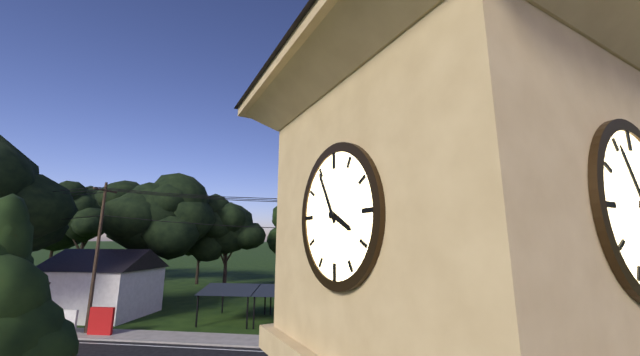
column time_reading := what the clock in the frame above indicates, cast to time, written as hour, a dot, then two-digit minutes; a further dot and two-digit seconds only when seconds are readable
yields 3.55
